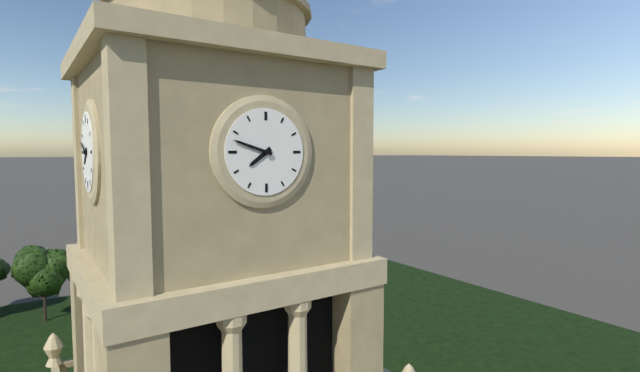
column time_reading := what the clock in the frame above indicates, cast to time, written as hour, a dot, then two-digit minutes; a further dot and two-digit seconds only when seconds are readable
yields 7.48
